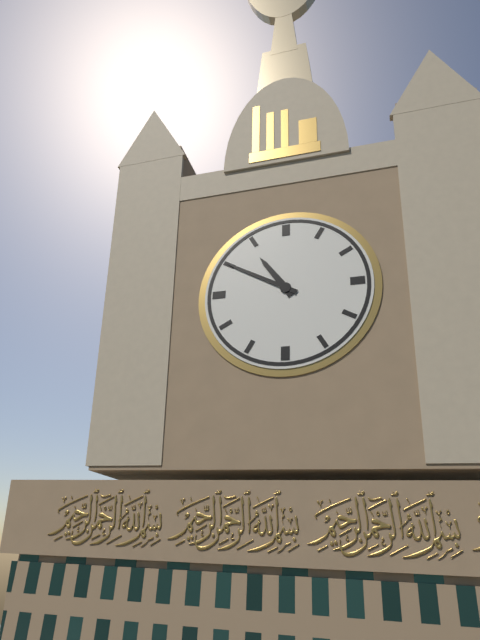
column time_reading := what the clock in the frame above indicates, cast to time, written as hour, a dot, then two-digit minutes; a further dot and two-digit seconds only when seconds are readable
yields 10.50
